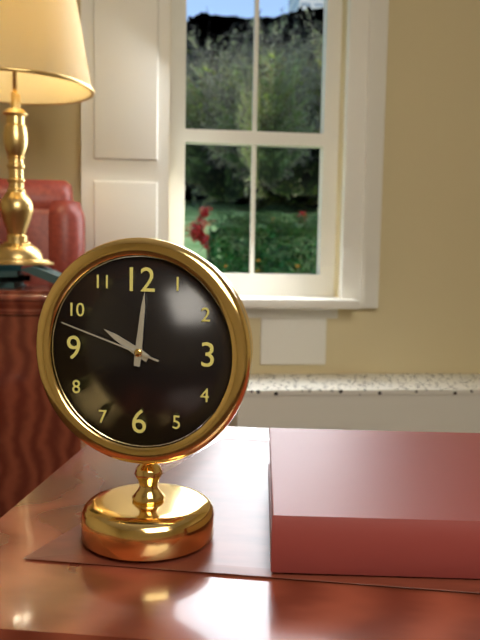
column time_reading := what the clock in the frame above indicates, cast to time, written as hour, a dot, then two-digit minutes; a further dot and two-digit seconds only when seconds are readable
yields 10.01.48
